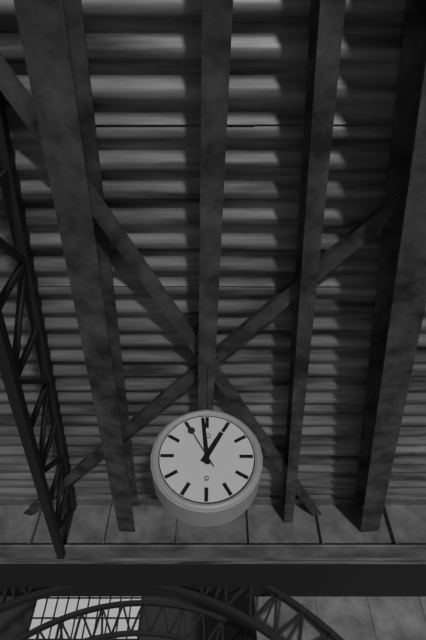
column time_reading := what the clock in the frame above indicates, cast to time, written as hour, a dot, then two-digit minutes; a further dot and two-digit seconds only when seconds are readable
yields 12.59
